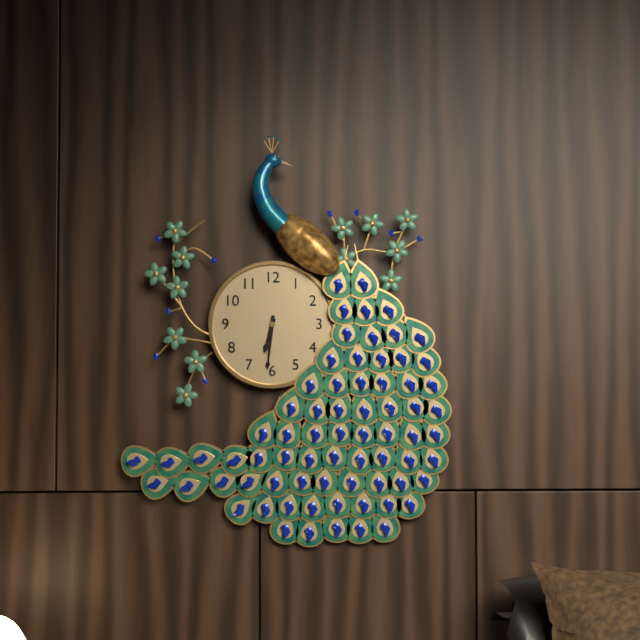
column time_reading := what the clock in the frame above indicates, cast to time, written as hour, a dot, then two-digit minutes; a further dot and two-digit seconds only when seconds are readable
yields 6.31
